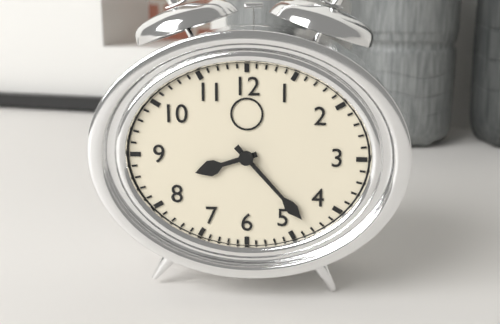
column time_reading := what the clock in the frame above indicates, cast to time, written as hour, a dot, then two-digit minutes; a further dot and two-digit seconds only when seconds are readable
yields 8.23
